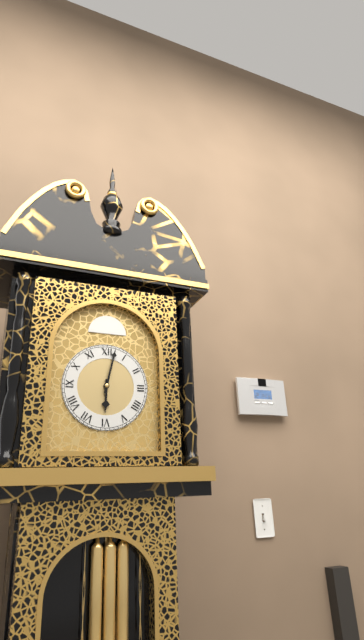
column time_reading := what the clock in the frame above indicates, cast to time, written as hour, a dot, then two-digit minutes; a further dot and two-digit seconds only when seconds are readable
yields 6.02
